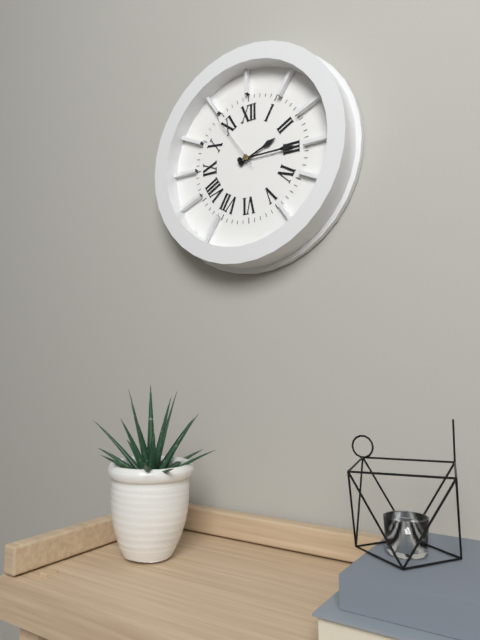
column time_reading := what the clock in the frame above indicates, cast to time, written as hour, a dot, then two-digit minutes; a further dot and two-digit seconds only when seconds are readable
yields 2.15.54
